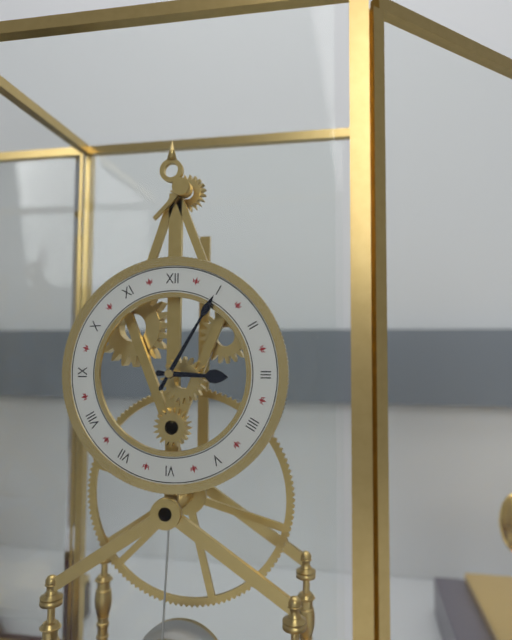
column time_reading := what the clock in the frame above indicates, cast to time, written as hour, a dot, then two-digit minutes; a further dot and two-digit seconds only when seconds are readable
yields 3.05
